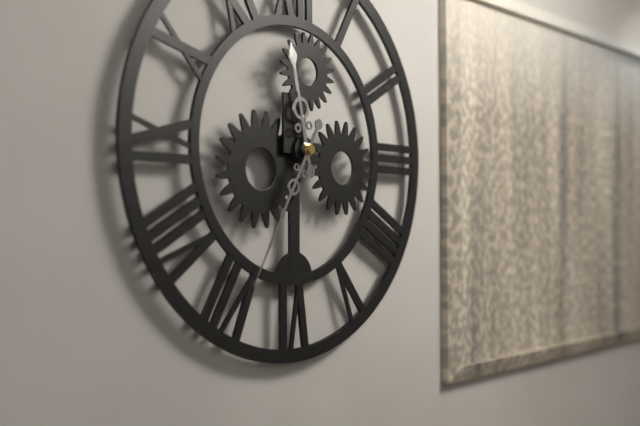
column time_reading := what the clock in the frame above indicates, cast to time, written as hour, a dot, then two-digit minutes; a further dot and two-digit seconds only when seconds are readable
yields 11.35
